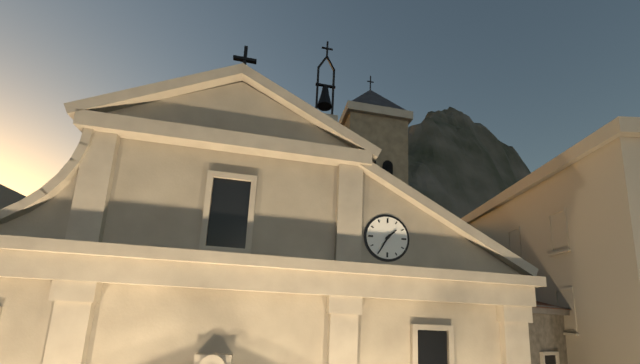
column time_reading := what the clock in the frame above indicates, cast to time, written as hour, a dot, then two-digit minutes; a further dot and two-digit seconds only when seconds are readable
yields 1.35
